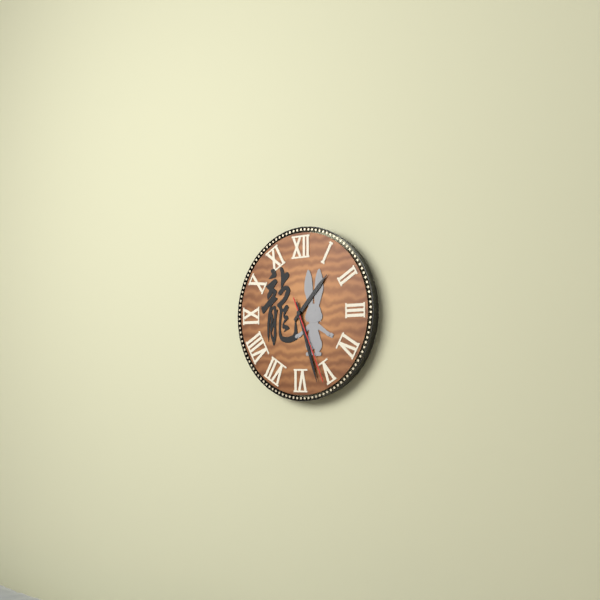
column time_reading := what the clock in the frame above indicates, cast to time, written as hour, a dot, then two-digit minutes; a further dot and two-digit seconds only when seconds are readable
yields 1.27.26
